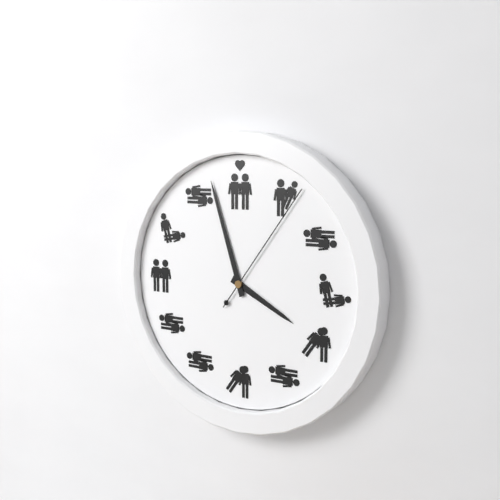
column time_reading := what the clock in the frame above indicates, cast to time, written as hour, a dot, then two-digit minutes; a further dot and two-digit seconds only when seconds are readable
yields 3.57.06
